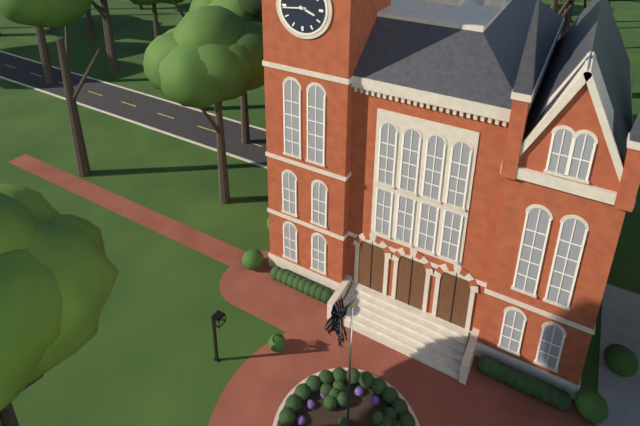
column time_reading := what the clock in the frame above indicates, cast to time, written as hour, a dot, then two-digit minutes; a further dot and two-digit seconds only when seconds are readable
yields 3.44
